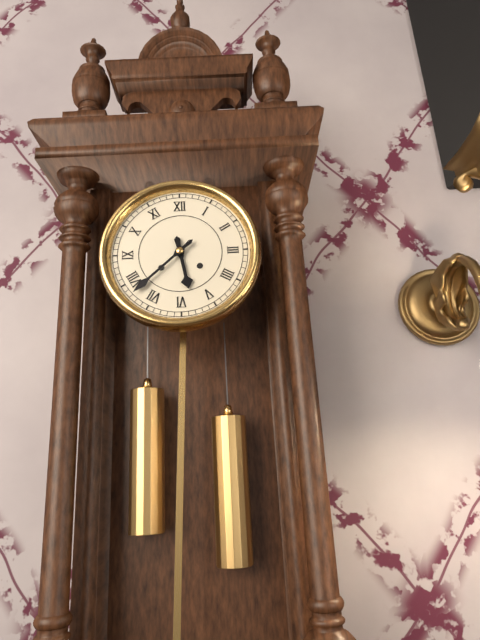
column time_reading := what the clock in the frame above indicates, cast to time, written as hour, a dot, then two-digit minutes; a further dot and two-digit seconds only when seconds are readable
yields 5.38
